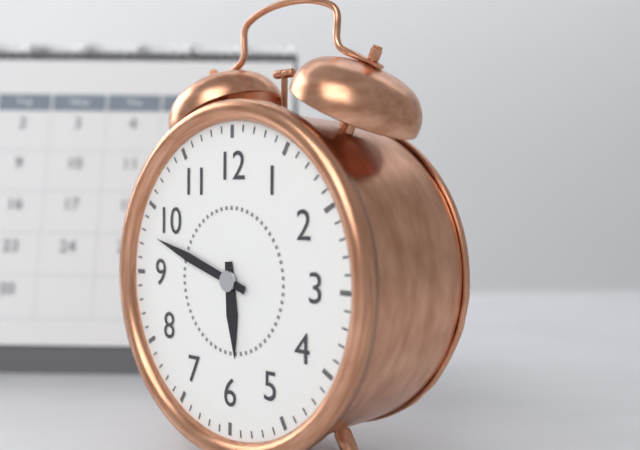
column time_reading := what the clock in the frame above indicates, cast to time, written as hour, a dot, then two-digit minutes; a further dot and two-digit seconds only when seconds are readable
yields 5.48
